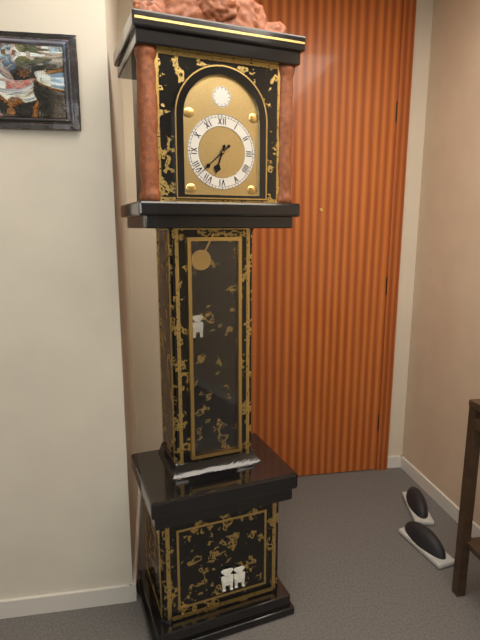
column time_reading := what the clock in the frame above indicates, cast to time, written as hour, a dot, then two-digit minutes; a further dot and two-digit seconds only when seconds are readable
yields 6.38
